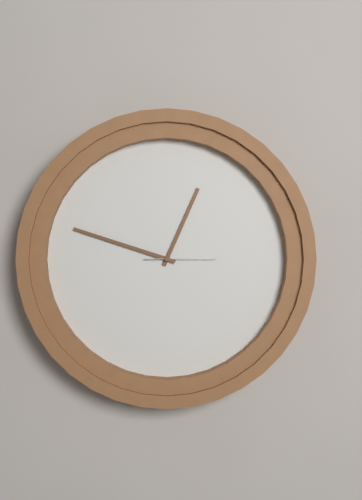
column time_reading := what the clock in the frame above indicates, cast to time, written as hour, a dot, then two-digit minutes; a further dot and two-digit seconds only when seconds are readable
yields 12.48.15
